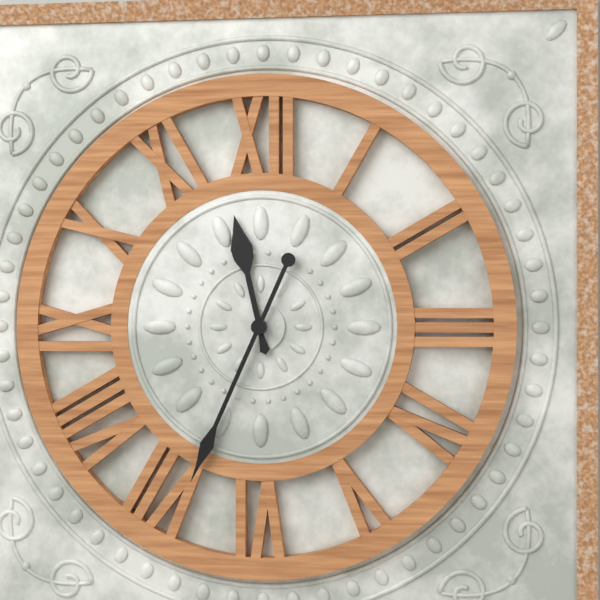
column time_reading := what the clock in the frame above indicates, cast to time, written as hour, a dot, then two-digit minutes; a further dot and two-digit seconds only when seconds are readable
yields 11.34
